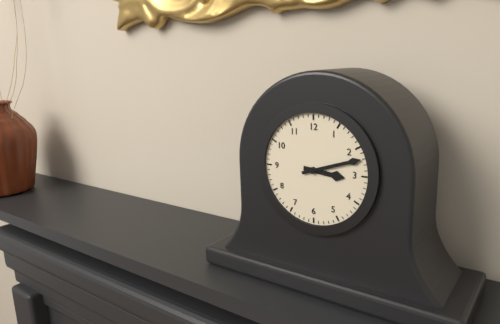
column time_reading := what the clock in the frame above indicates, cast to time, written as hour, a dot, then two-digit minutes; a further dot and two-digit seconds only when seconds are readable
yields 3.12
